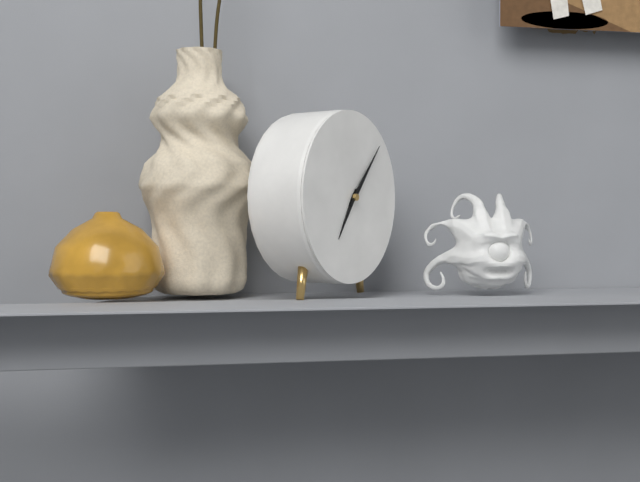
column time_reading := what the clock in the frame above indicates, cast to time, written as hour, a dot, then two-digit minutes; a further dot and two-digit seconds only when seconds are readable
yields 7.07
